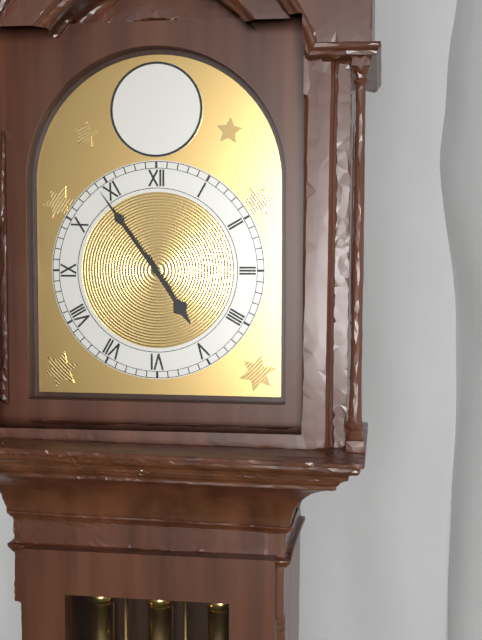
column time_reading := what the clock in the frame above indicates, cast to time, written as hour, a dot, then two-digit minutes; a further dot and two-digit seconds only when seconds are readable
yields 4.54
